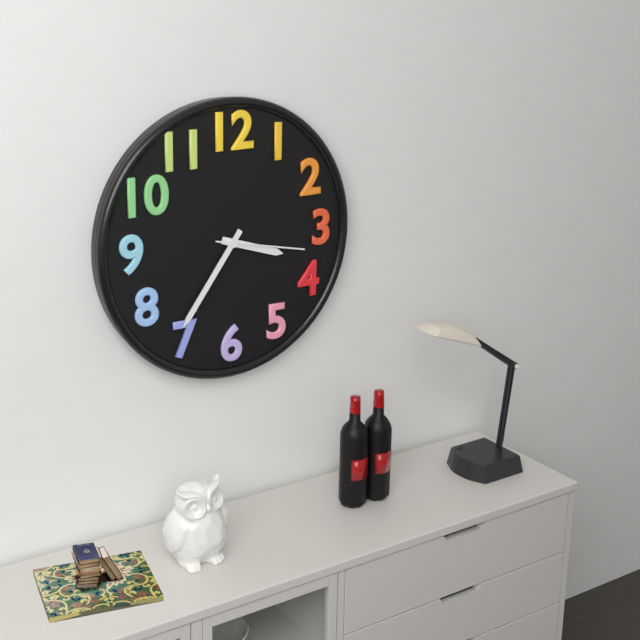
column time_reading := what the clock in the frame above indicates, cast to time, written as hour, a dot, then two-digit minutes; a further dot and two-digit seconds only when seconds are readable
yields 3.36.17
